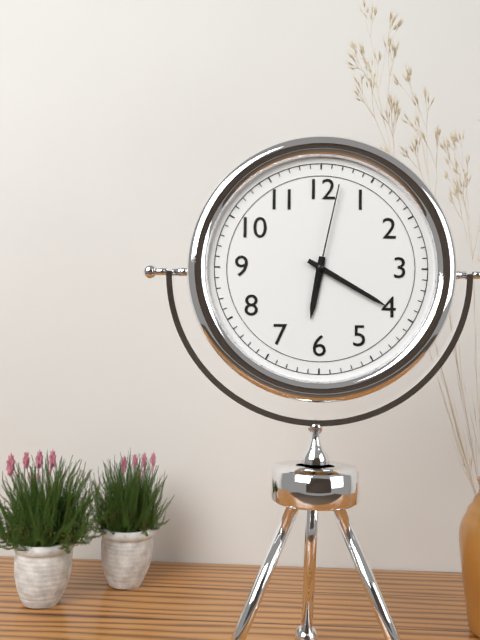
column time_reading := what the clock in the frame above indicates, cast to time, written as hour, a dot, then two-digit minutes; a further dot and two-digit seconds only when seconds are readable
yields 6.20.02
